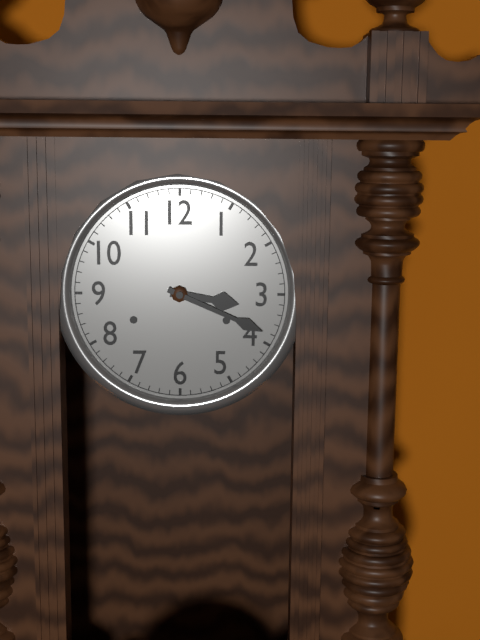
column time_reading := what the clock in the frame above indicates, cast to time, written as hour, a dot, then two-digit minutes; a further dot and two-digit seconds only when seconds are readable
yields 3.19
